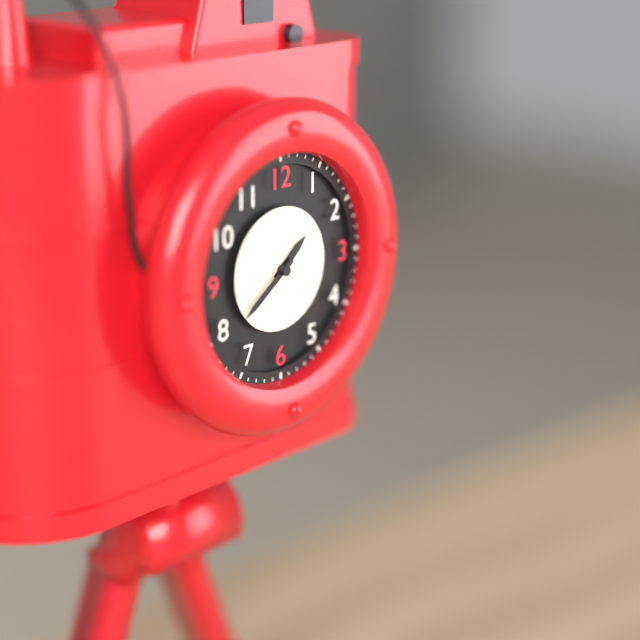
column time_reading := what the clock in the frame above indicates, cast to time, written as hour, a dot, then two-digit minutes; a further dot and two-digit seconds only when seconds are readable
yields 1.39
